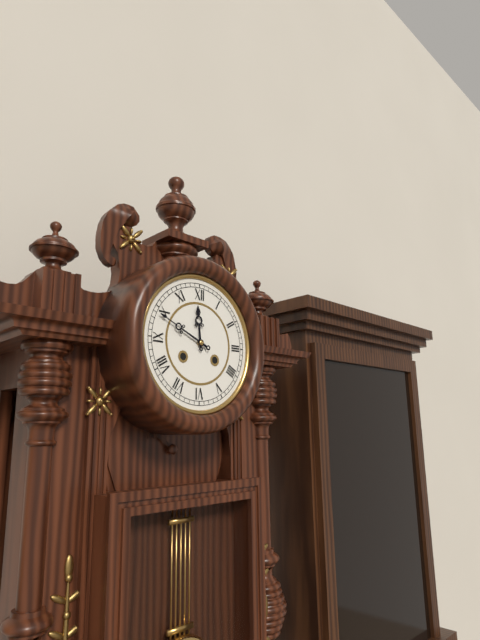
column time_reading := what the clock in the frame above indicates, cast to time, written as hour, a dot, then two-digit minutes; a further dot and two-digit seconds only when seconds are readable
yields 11.49
